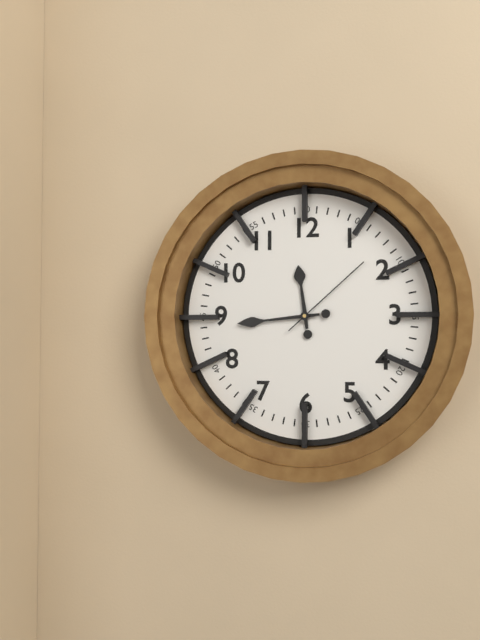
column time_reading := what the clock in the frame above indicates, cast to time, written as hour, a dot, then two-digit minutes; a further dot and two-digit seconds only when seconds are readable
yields 11.44.08
